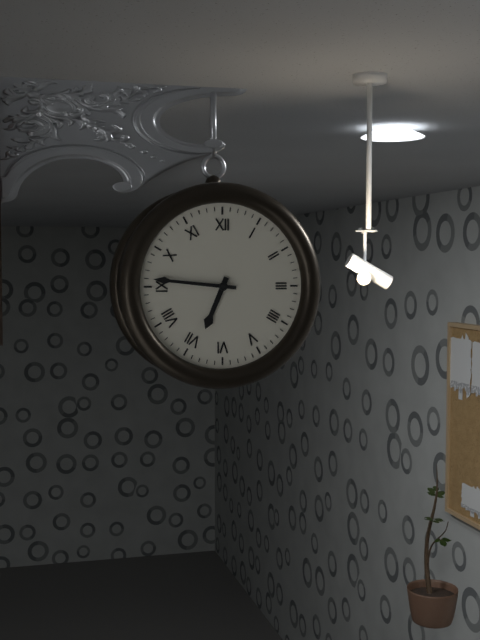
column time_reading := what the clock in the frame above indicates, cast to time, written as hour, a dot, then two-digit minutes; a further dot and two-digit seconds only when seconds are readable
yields 6.46
